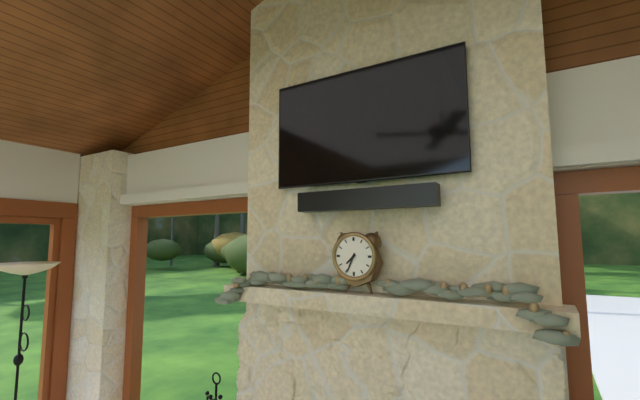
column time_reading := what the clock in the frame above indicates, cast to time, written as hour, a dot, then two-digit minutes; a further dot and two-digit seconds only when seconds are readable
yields 7.34
